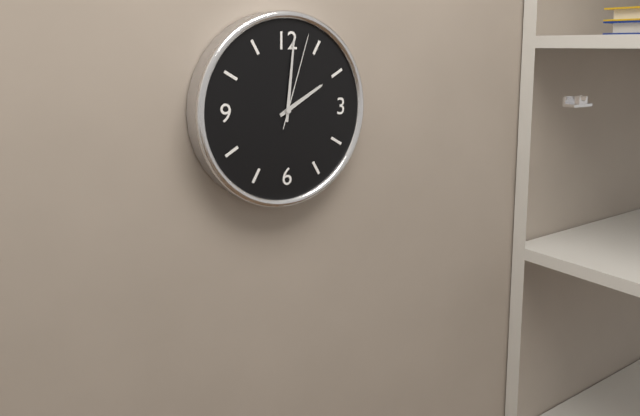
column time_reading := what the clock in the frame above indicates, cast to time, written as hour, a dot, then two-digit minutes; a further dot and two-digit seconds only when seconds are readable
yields 2.01.03
